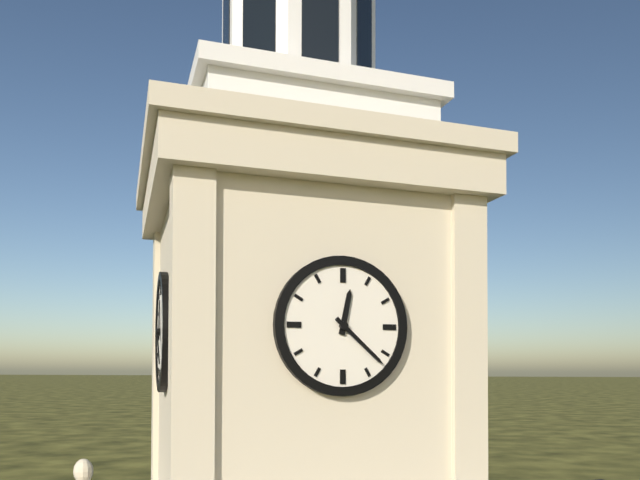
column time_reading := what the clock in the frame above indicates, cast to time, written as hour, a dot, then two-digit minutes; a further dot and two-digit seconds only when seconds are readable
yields 12.22
